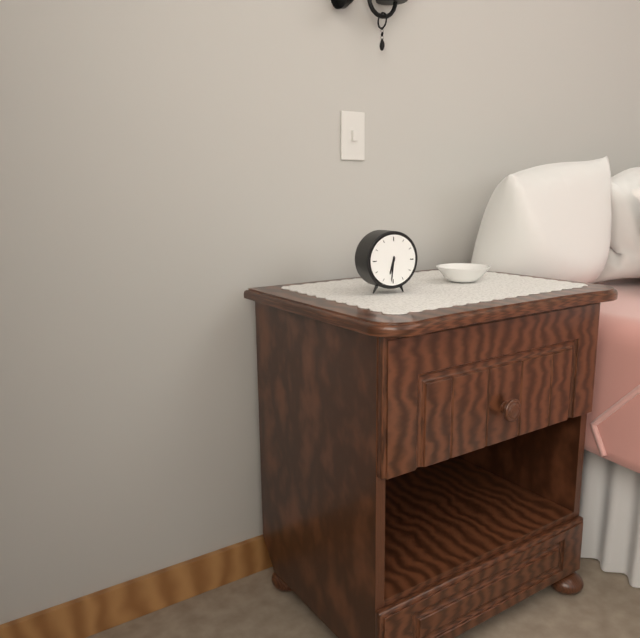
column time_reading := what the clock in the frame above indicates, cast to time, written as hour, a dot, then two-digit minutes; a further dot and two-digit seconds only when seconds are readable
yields 6.31
